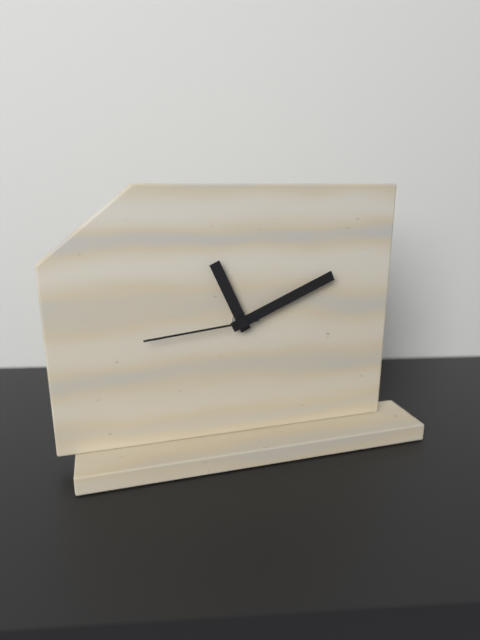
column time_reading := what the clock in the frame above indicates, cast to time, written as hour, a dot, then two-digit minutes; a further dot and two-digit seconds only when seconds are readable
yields 11.11.44
